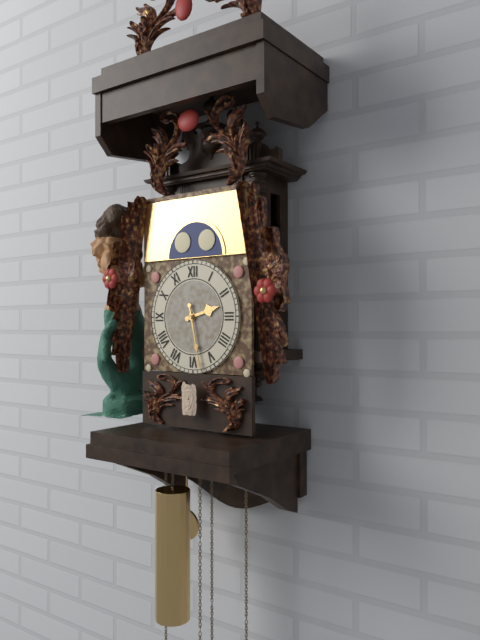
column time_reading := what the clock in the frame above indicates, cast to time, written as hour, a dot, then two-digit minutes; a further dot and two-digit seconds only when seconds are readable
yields 2.28
